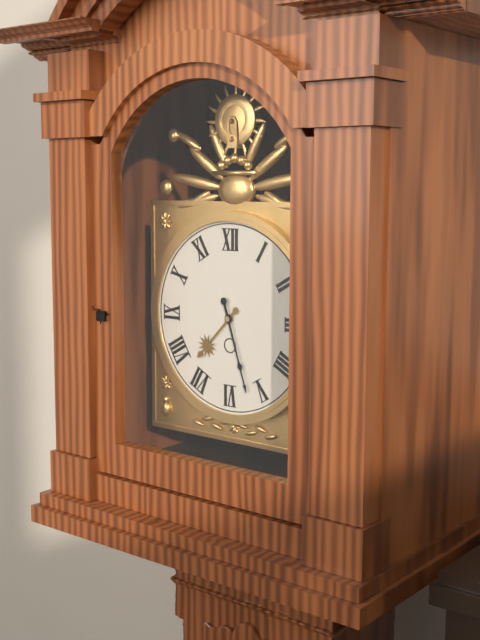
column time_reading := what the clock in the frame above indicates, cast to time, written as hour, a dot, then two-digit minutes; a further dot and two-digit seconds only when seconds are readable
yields 7.27
